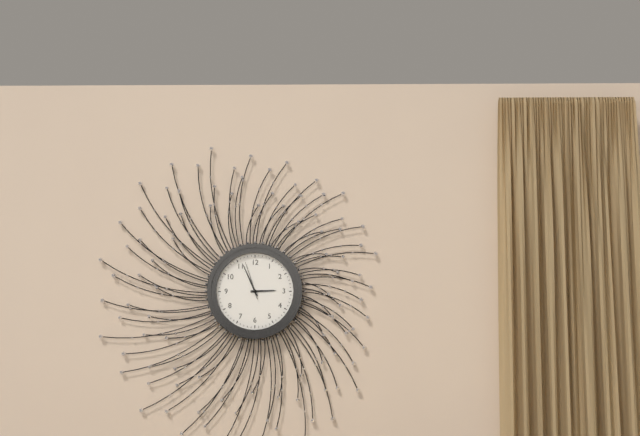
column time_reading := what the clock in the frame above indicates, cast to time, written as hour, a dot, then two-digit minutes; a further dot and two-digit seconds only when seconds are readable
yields 2.56
